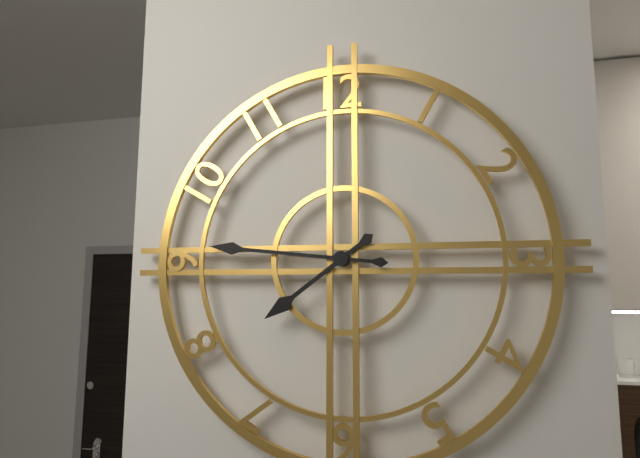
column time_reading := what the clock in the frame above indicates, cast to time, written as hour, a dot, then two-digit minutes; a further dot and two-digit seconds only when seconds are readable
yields 7.46
